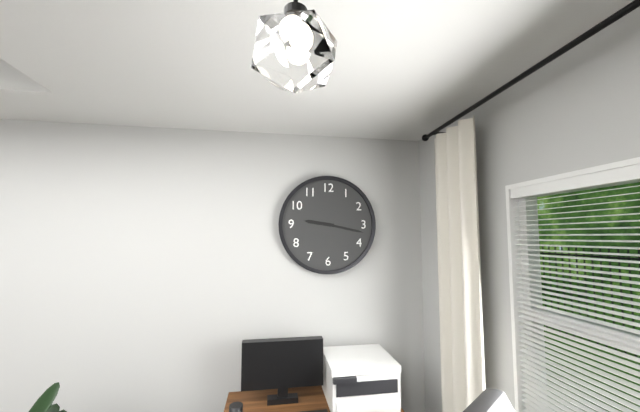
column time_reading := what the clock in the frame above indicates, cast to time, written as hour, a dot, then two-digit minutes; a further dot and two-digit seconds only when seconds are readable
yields 9.17
